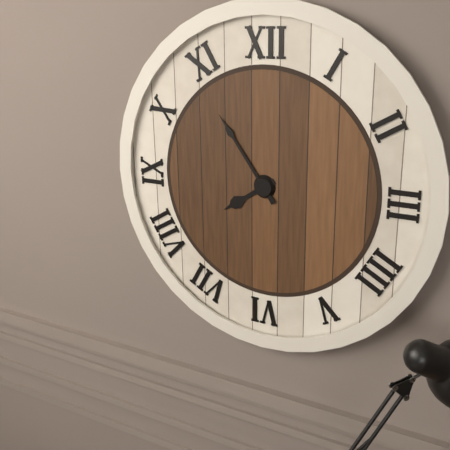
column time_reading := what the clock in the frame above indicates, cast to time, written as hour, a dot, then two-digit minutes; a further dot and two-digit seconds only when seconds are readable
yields 7.54
